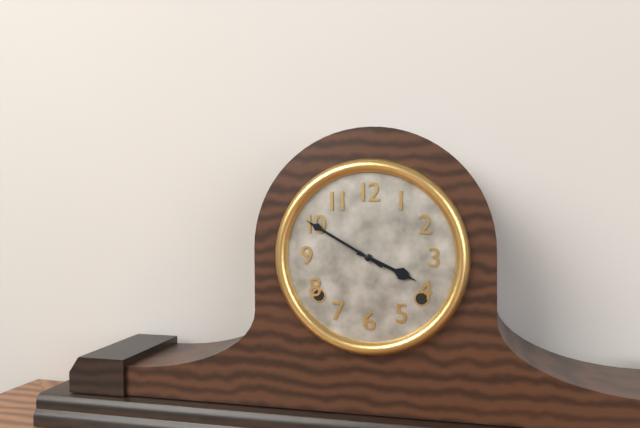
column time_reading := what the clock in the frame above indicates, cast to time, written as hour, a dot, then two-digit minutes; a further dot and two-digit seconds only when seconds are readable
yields 3.50
